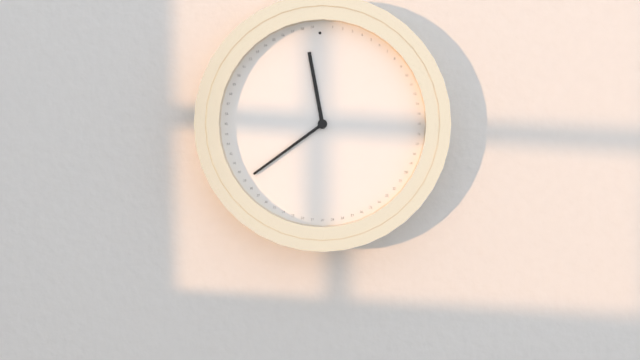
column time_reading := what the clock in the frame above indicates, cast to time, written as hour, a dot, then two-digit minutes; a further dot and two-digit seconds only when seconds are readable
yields 11.39
